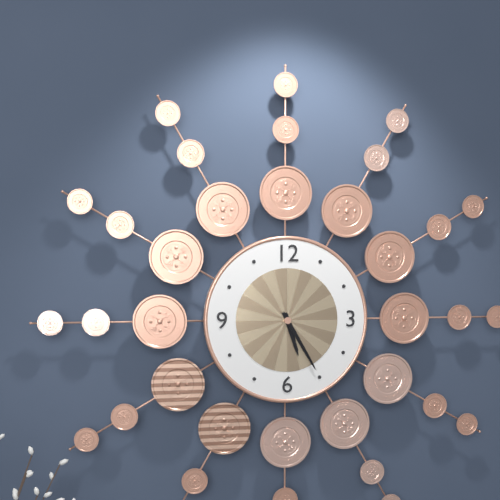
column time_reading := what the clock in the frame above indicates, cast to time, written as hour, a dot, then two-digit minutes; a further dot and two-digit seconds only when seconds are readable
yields 5.25
